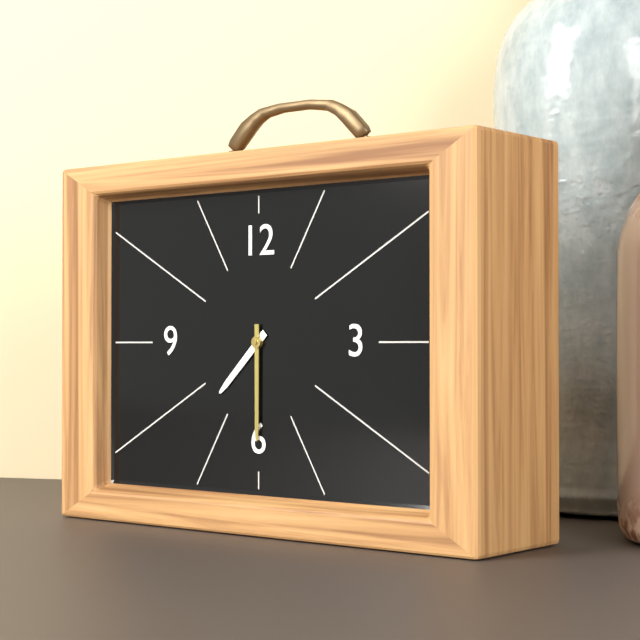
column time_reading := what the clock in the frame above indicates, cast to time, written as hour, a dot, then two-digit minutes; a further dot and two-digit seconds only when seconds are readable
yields 7.30
